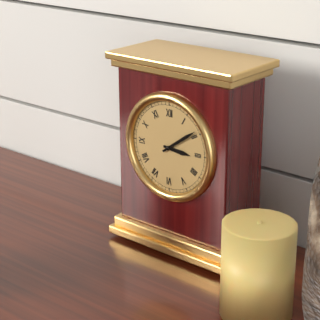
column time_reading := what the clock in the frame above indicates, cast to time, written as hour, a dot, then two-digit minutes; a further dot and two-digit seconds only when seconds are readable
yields 3.09
